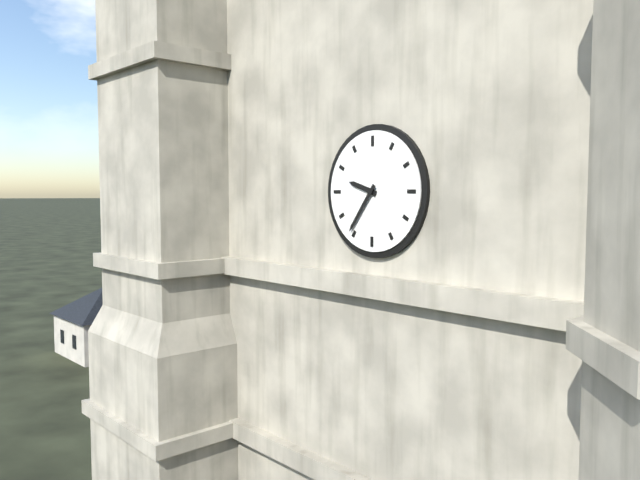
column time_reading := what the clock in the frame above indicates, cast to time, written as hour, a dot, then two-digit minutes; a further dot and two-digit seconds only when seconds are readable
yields 9.36
